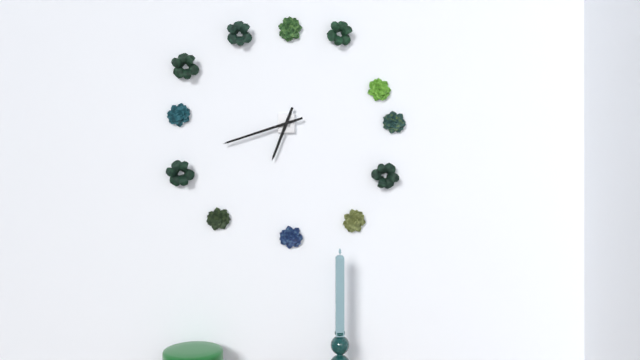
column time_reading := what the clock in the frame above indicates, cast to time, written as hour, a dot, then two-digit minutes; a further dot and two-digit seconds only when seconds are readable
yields 6.42
